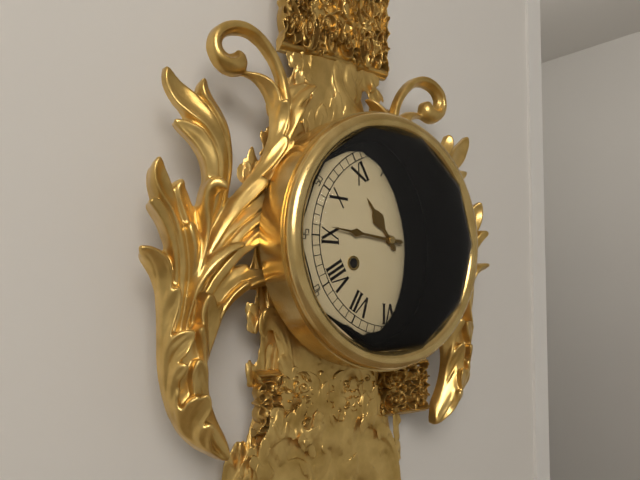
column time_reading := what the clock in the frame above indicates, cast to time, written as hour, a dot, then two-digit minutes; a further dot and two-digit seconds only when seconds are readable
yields 10.46
